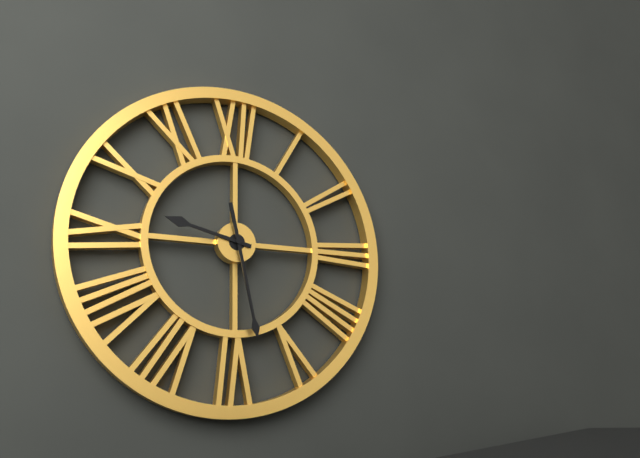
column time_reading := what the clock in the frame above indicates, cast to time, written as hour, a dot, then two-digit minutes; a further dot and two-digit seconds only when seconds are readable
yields 9.28
